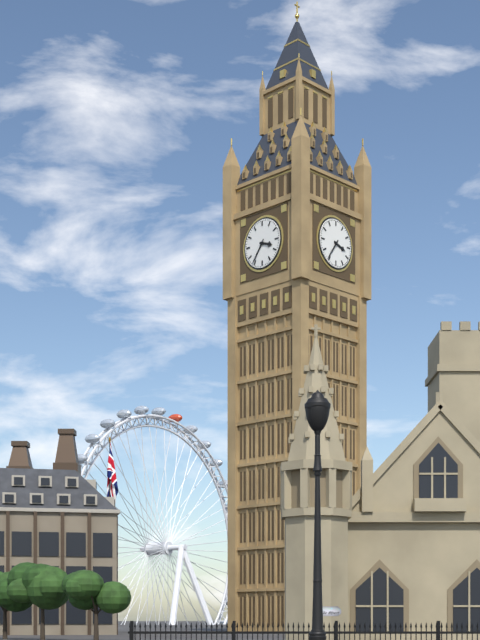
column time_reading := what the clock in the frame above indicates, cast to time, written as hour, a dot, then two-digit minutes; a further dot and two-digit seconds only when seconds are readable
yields 3.36
